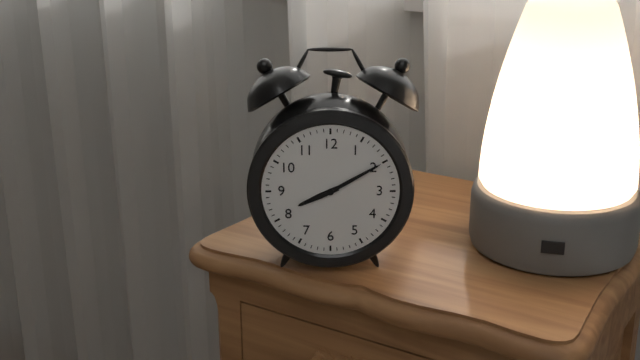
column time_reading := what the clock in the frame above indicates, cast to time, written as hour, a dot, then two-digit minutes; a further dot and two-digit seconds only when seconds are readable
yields 8.10
